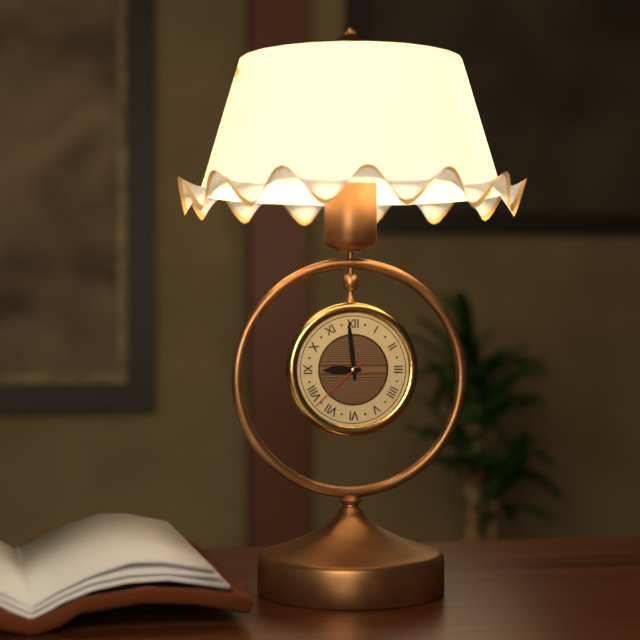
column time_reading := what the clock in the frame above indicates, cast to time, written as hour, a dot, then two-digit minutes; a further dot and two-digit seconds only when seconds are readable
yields 8.59.38
